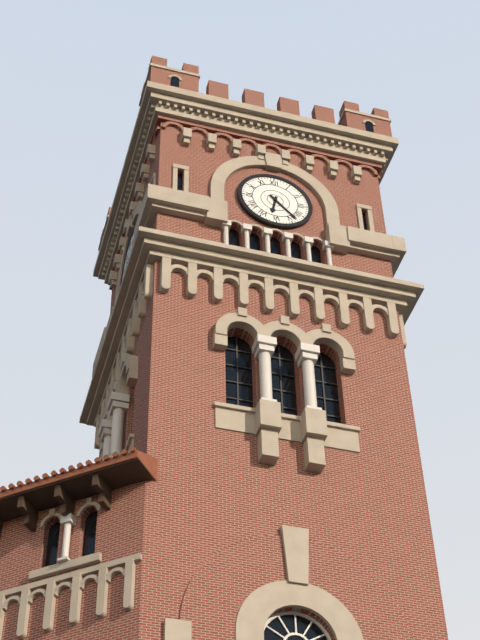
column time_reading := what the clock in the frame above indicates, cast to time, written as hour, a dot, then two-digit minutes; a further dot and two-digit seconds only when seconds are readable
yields 6.23
